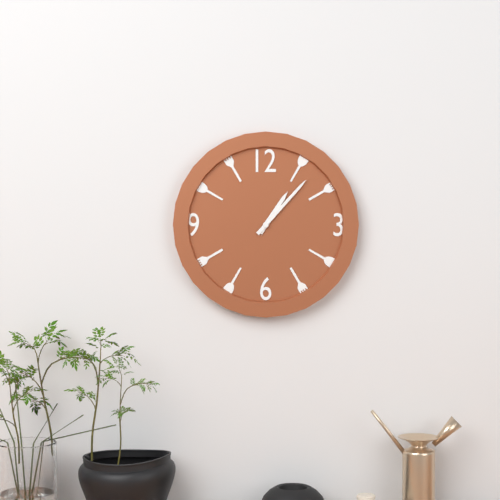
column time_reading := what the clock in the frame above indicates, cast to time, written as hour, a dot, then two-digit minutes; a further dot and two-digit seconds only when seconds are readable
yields 1.07
